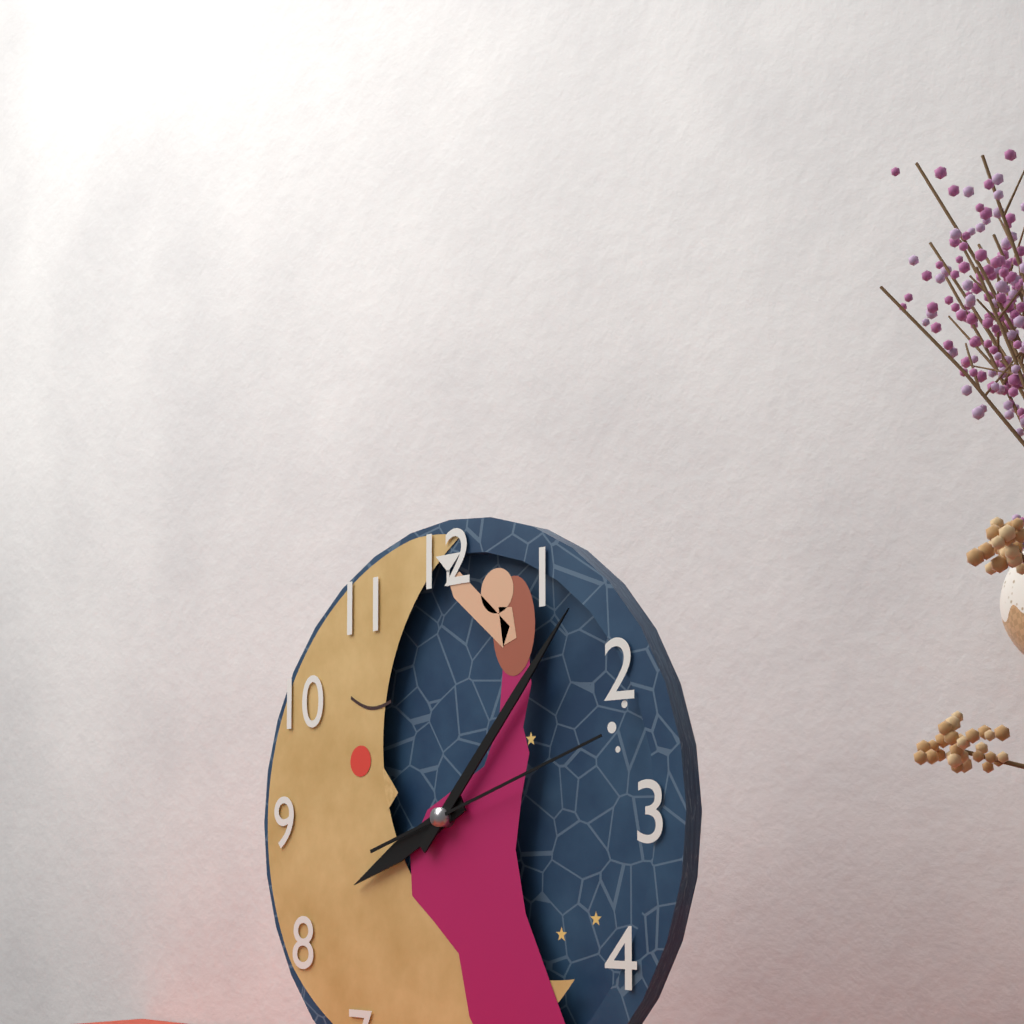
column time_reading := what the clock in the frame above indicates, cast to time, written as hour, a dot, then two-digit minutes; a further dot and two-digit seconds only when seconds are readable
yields 8.07.12
